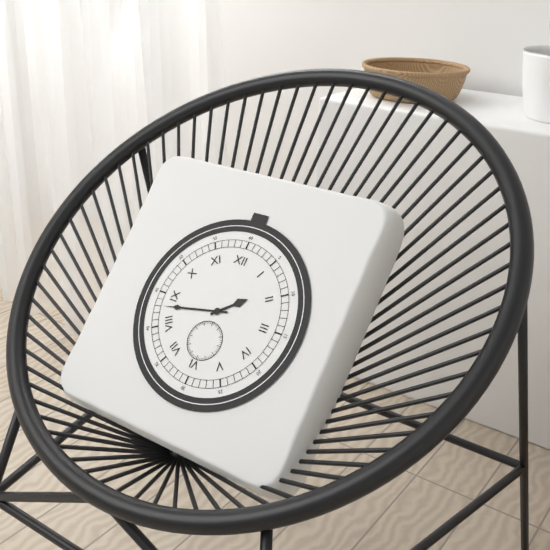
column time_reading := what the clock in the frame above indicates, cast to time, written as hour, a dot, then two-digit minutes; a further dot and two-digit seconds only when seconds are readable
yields 1.43
